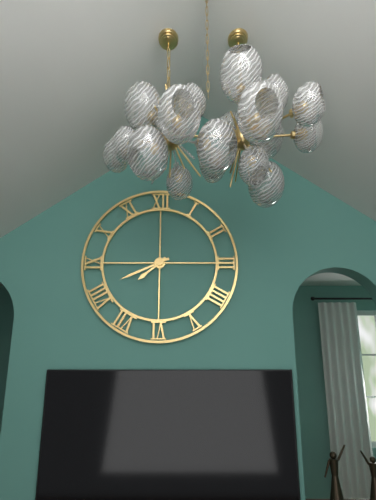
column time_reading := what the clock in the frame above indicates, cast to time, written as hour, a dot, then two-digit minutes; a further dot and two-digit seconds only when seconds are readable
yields 7.41
